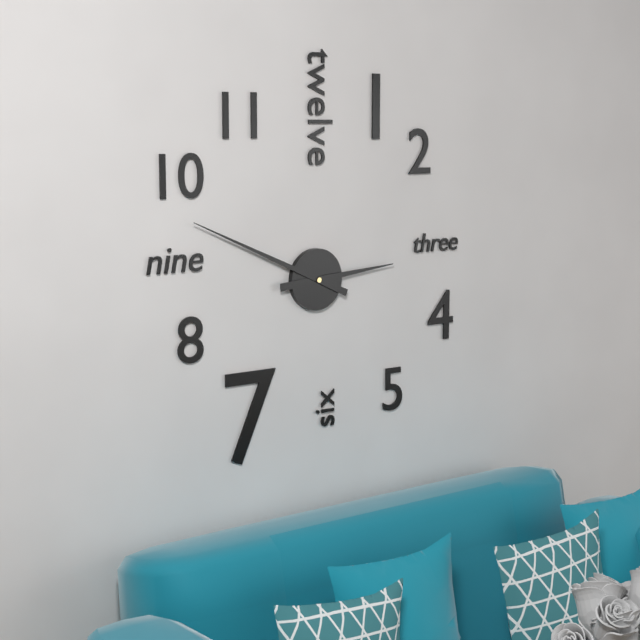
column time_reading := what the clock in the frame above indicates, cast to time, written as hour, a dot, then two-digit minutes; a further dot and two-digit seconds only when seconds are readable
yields 2.49
